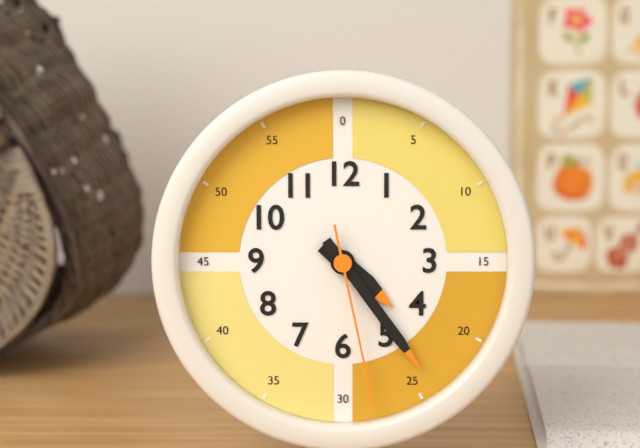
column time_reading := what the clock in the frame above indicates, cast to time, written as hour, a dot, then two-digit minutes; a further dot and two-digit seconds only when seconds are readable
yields 4.24.28
